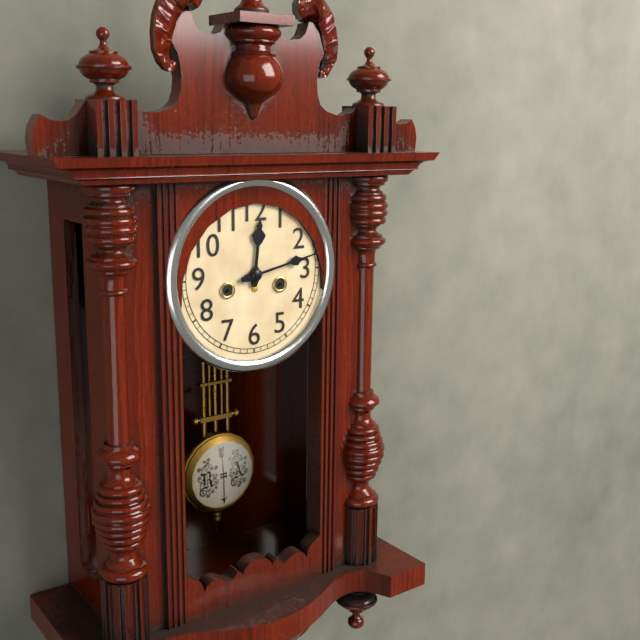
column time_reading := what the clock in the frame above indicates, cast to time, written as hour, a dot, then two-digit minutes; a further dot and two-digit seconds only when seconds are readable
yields 12.13
